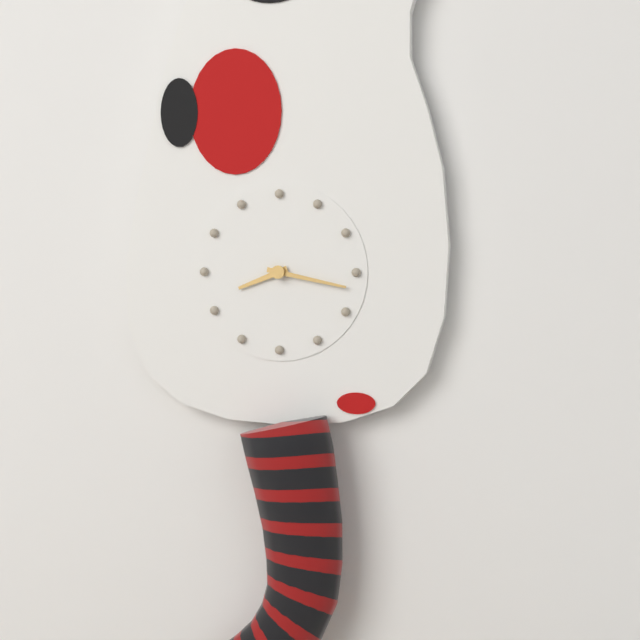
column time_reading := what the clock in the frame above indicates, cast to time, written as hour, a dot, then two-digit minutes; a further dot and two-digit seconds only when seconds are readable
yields 8.17
